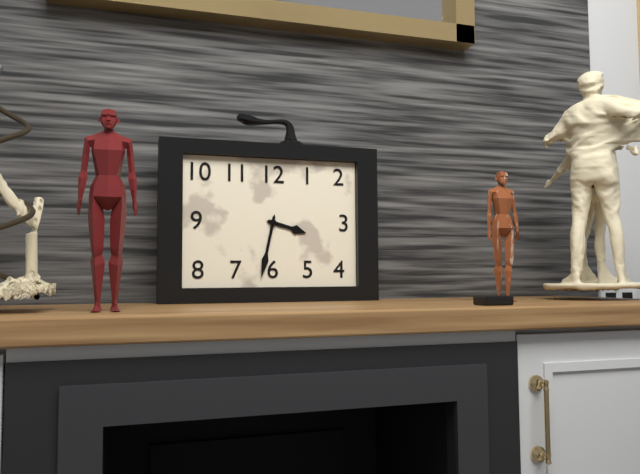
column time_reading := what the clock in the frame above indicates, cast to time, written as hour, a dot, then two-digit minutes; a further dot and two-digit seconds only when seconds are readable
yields 3.32
